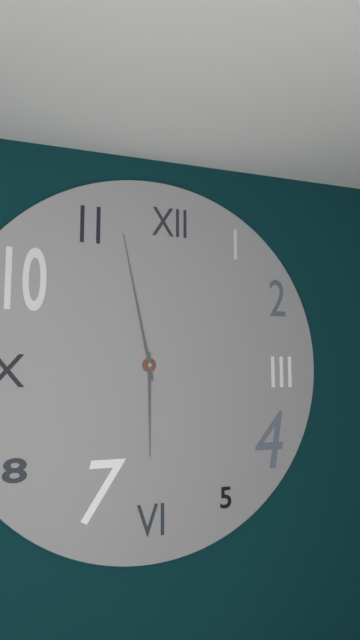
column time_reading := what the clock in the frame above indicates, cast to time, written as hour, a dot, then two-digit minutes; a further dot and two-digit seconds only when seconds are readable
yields 5.58
